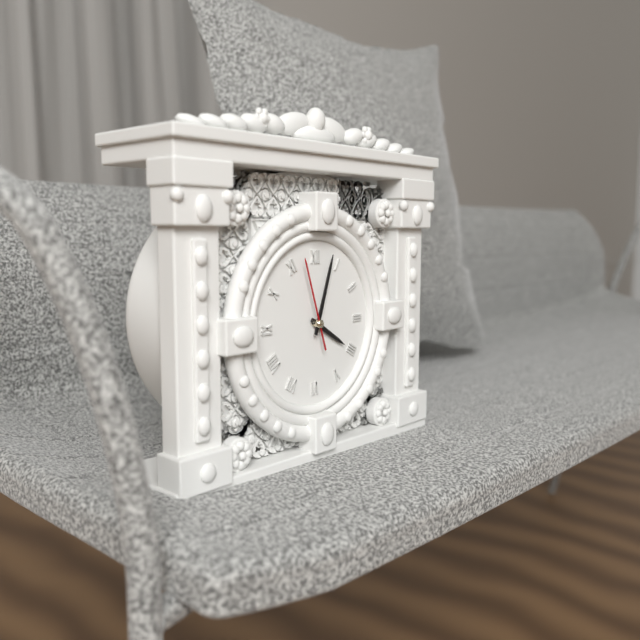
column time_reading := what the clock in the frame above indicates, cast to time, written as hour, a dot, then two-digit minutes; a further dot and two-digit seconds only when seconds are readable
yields 4.03.57
